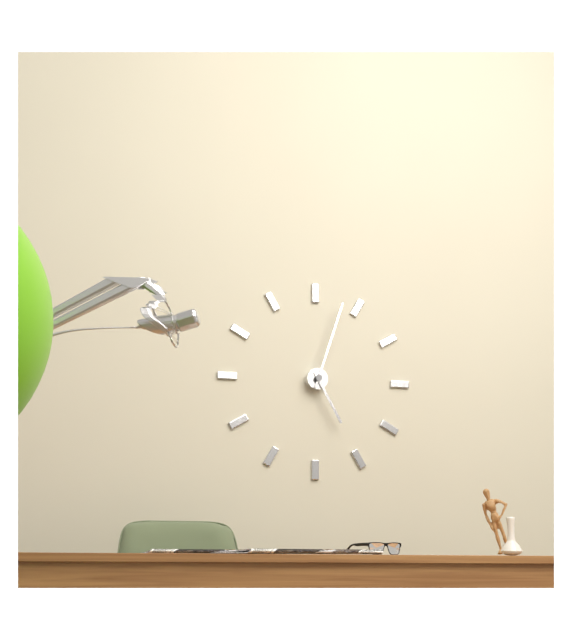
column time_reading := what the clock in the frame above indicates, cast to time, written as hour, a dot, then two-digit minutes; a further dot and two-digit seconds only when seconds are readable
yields 5.03
